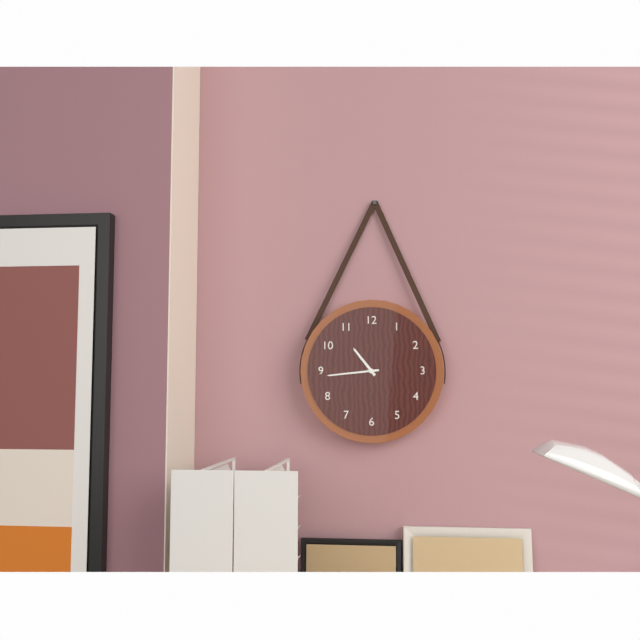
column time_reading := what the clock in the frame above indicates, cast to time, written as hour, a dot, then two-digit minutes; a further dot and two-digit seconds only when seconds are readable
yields 10.44
